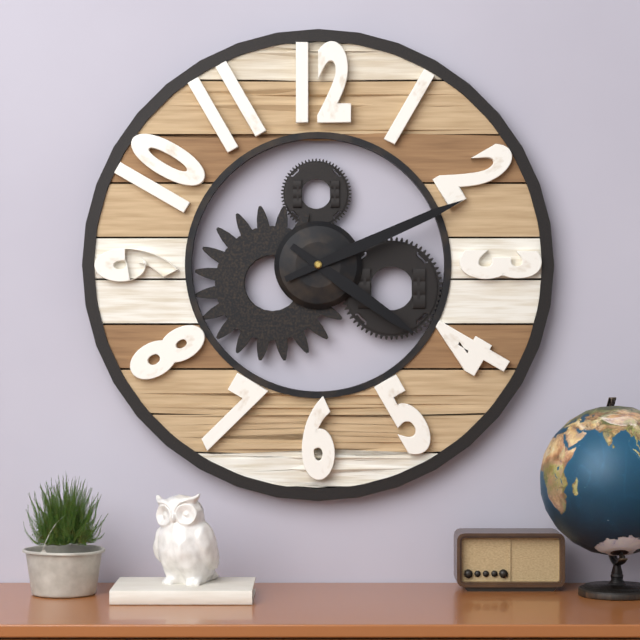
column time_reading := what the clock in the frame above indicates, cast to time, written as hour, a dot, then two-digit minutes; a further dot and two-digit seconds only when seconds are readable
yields 4.11
